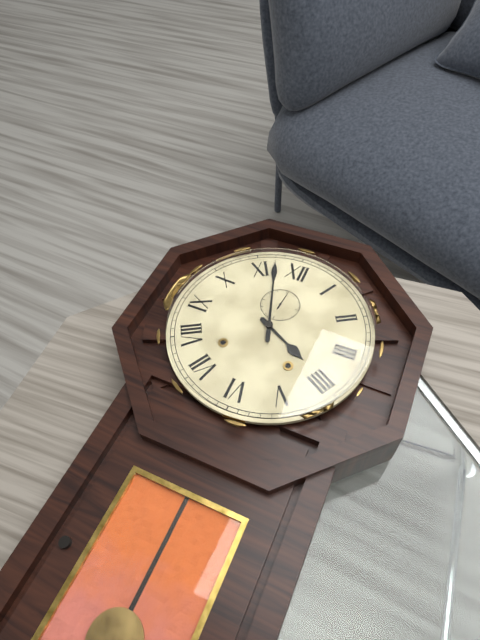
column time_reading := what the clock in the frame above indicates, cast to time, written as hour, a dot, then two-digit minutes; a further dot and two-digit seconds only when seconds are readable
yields 3.57.01
